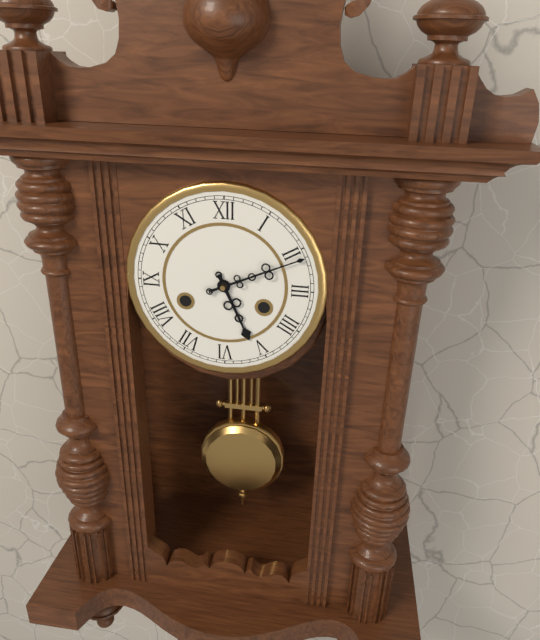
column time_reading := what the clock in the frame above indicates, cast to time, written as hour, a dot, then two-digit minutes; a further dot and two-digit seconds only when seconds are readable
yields 5.11
